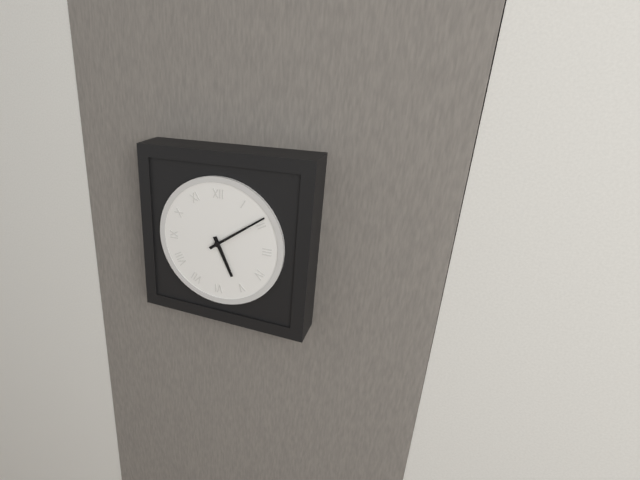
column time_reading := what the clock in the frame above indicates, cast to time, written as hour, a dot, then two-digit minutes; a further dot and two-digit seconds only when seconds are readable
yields 5.09
